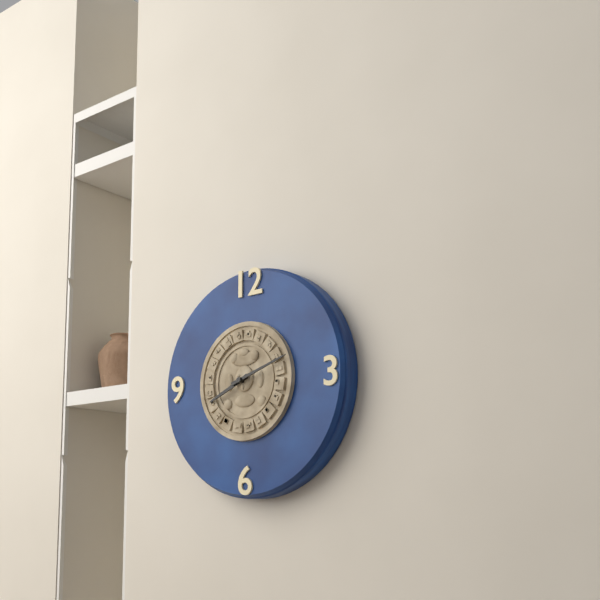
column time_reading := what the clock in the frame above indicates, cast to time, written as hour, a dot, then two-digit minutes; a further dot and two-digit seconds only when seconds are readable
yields 8.12
